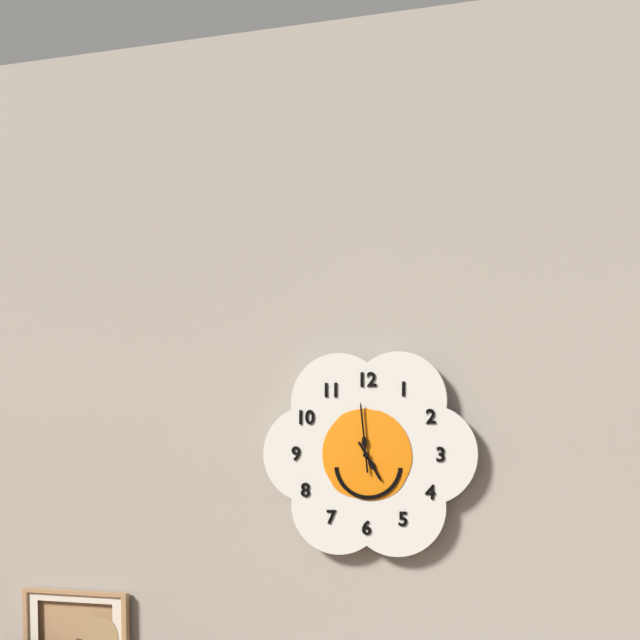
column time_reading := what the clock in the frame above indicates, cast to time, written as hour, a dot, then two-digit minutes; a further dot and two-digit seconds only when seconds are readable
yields 4.59
